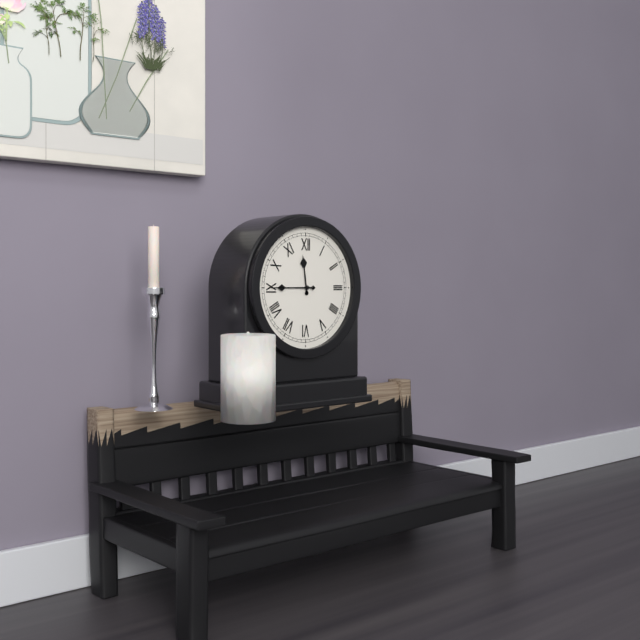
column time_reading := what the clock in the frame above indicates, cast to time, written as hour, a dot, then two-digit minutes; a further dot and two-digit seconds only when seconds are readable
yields 11.45
